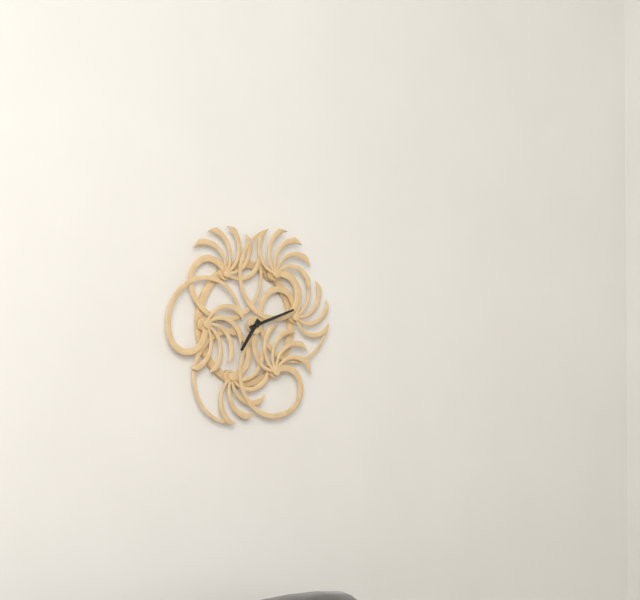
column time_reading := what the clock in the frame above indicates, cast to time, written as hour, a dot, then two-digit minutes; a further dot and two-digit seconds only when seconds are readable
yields 7.12
